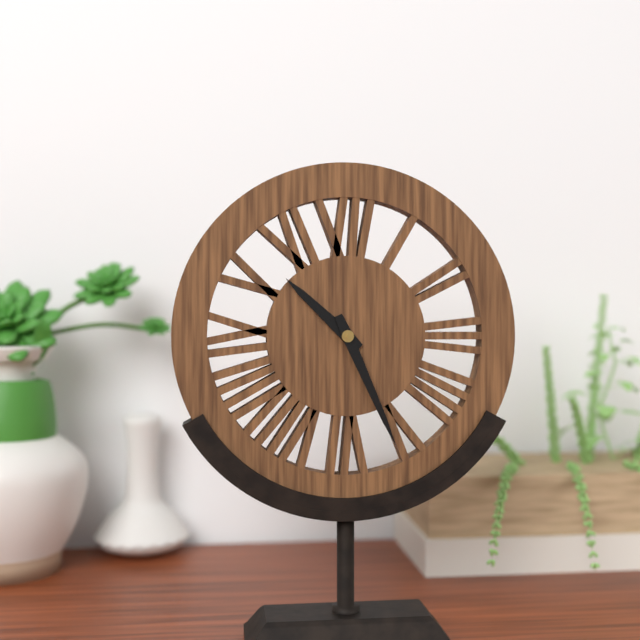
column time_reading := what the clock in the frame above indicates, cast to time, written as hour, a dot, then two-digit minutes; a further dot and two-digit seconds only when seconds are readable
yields 10.26
